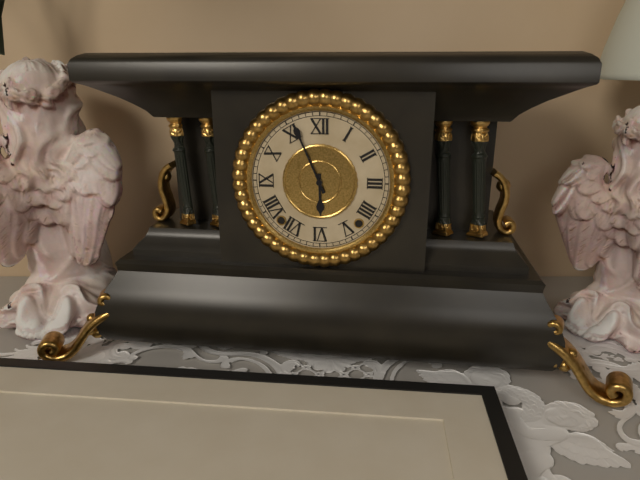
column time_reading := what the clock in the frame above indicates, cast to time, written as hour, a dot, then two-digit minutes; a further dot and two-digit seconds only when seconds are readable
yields 5.56
